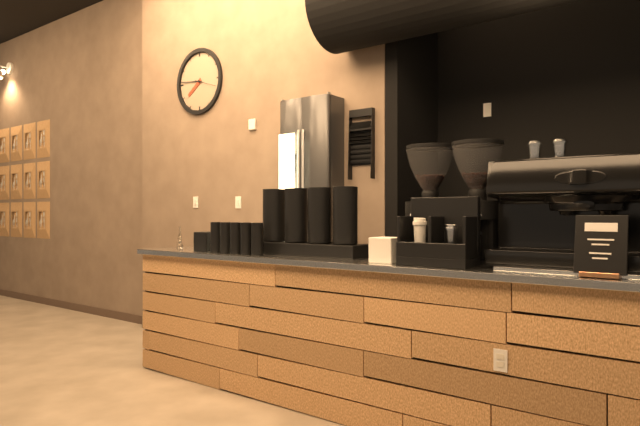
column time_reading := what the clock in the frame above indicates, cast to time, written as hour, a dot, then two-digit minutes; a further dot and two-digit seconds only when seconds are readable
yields 7.46
